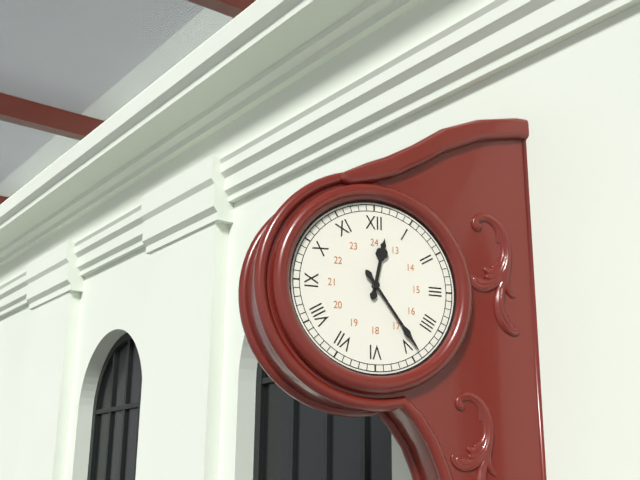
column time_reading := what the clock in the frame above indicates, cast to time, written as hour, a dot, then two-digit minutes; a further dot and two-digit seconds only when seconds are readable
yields 12.24
